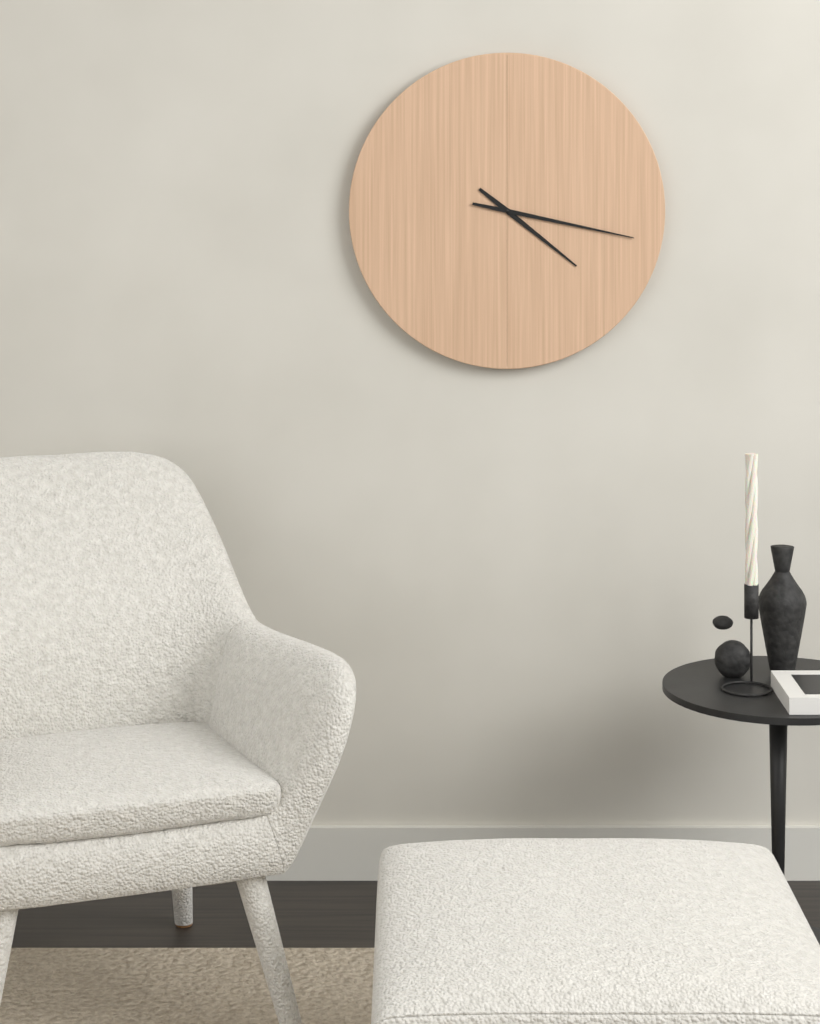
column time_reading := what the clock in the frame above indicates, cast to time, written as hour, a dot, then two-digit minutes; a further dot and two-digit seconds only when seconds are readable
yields 4.17
